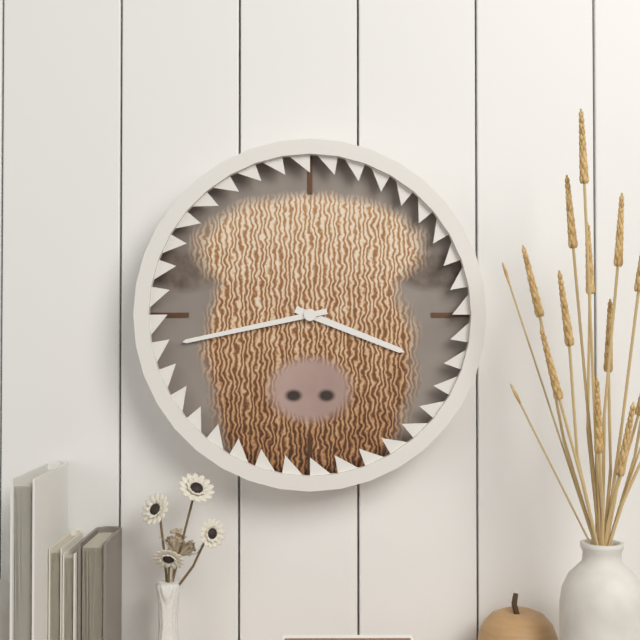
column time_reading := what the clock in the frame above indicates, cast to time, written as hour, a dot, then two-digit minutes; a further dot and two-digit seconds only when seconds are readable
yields 3.43
